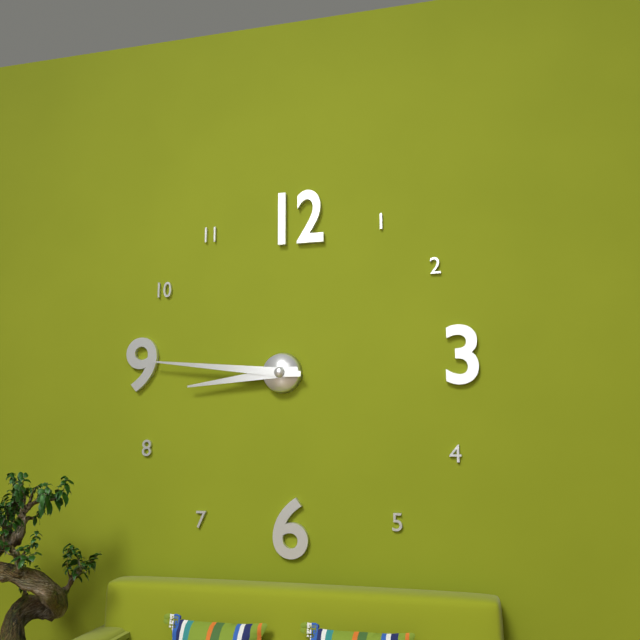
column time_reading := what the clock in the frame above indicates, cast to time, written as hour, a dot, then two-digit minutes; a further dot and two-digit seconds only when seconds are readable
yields 8.46
